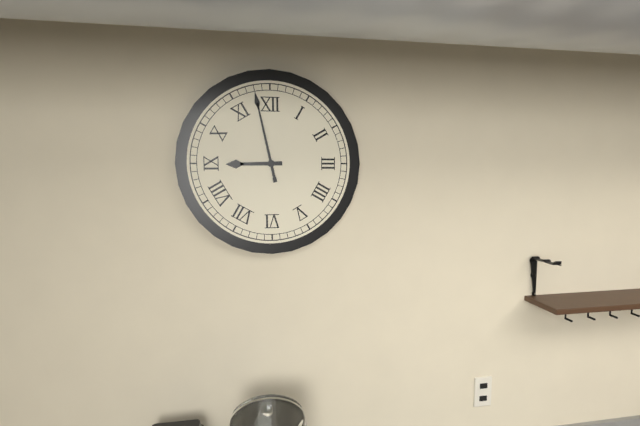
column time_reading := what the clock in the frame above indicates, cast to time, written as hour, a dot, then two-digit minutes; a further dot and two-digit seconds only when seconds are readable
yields 8.58
